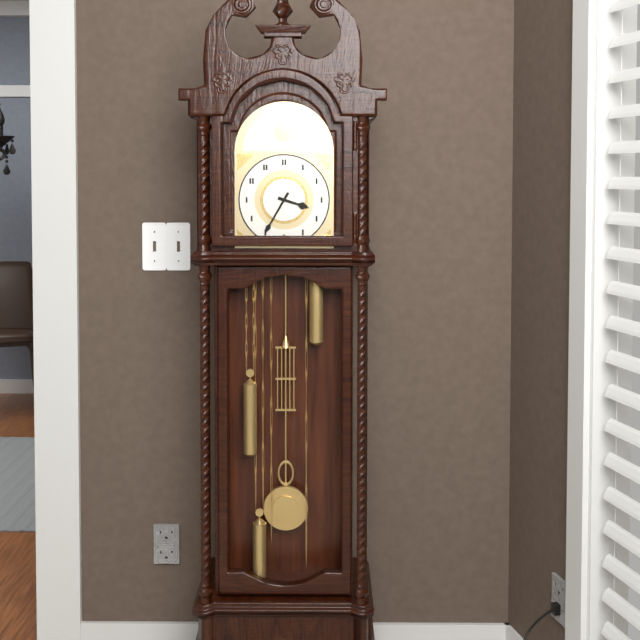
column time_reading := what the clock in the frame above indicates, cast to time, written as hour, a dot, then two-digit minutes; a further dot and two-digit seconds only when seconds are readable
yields 3.35
